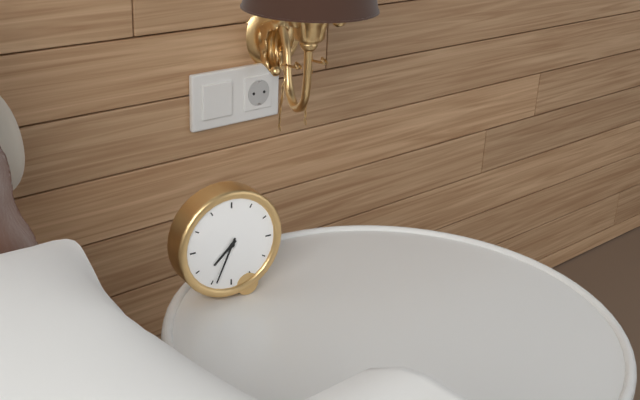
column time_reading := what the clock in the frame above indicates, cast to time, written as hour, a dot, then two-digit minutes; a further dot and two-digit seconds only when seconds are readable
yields 7.34
